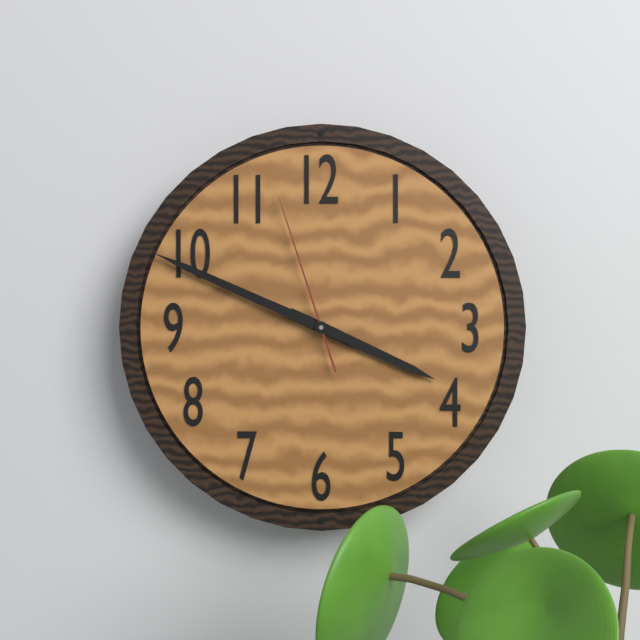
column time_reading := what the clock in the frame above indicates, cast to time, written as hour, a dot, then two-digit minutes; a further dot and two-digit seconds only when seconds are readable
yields 3.49.57
